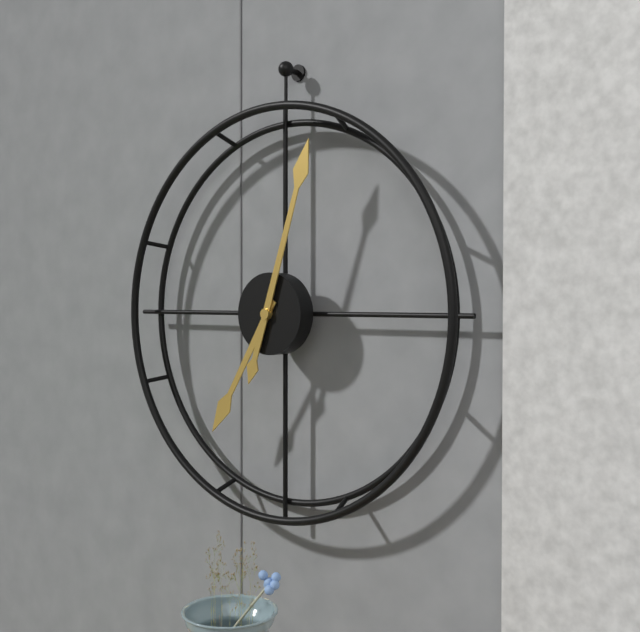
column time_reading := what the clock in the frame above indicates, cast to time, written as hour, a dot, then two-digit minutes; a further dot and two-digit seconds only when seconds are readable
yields 7.03
